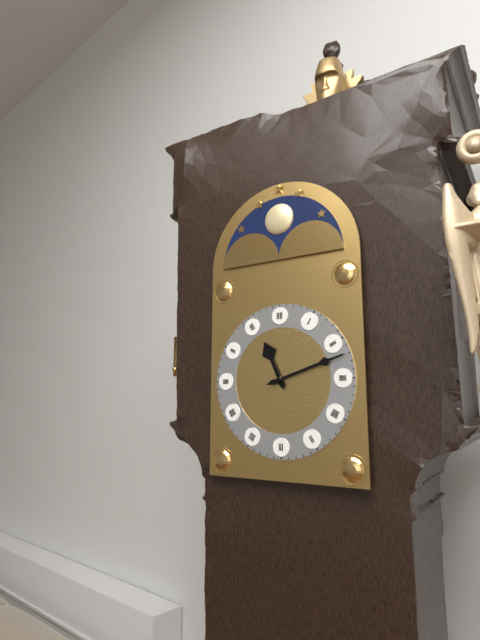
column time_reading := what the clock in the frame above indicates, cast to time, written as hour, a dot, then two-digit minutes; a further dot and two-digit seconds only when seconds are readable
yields 11.12
